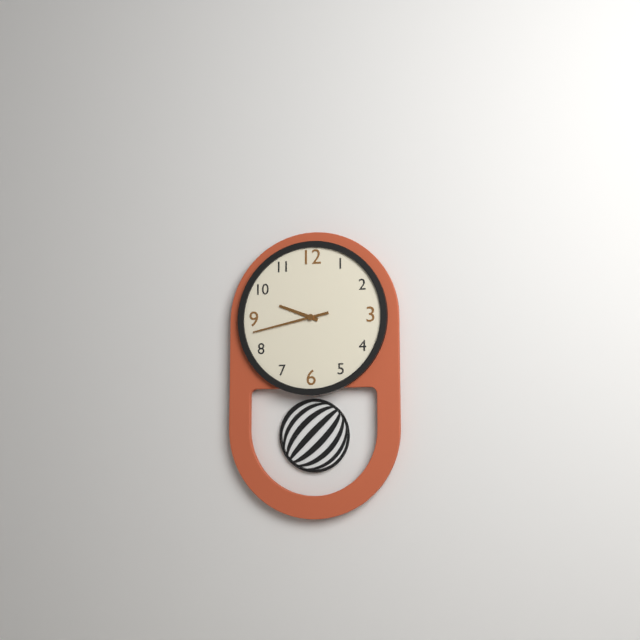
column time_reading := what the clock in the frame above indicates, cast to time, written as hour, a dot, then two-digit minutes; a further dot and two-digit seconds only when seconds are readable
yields 9.43
